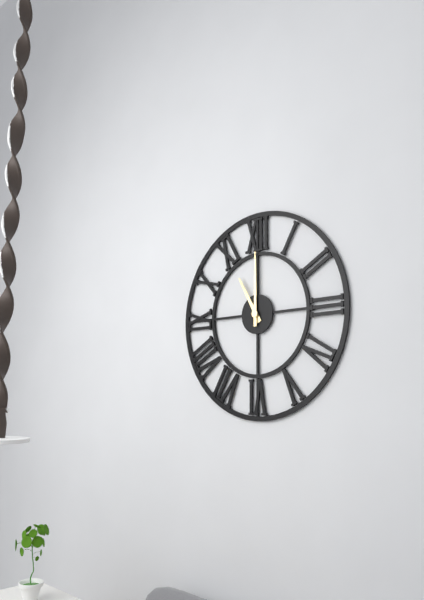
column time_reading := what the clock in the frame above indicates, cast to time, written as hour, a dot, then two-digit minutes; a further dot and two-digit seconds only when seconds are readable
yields 11.00
